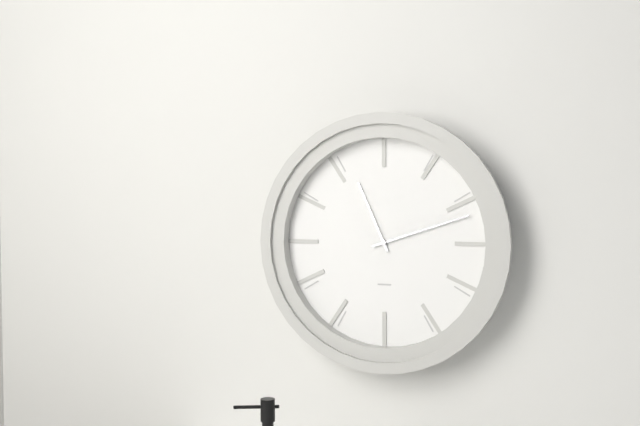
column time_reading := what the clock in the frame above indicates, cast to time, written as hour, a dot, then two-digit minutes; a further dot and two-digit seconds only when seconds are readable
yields 11.12
